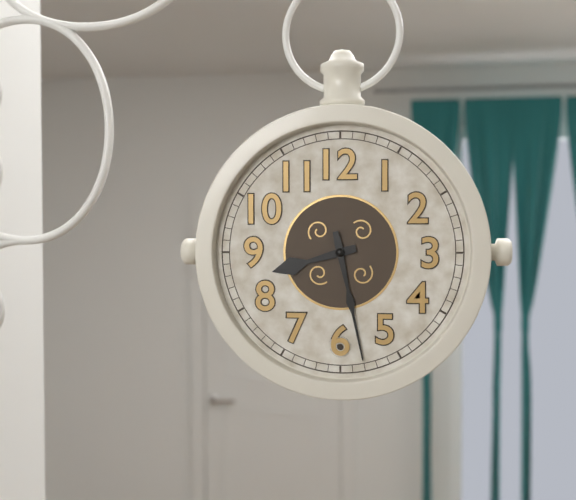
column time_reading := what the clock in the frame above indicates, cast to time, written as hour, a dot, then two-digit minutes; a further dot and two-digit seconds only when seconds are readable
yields 8.28
